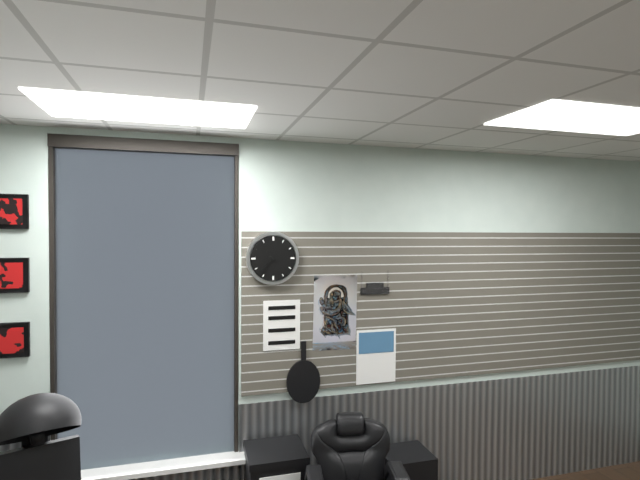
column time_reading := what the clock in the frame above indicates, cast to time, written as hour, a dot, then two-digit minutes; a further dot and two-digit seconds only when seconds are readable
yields 10.37
